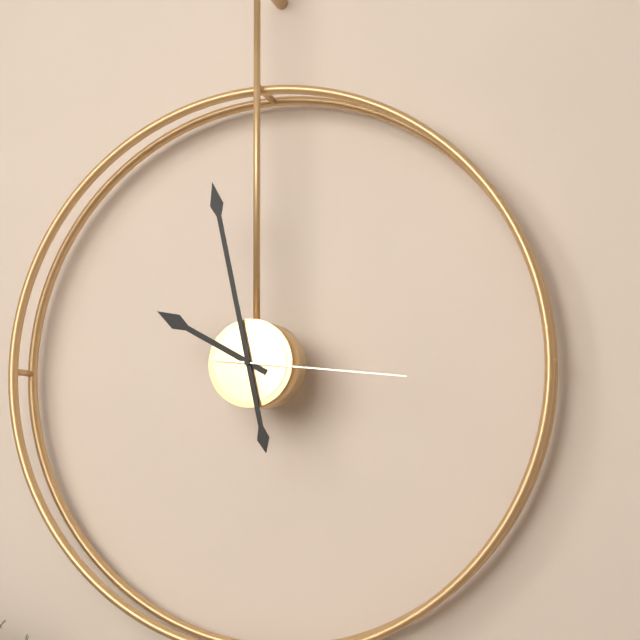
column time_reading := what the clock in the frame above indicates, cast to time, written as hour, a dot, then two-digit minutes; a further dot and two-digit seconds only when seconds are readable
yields 9.58.16
